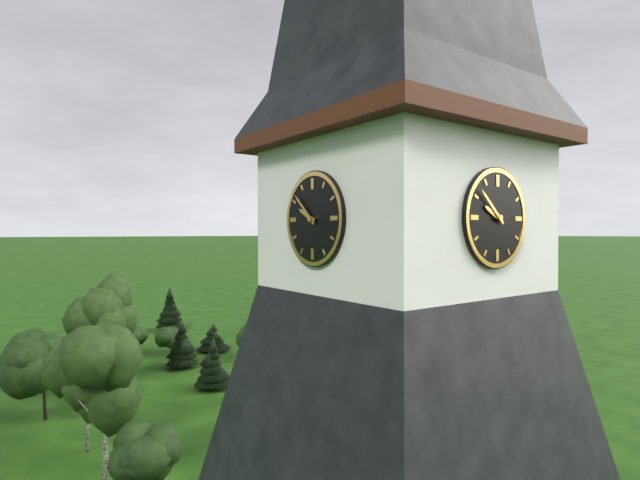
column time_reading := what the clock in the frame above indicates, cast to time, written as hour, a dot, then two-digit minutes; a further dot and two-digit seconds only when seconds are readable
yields 9.52
